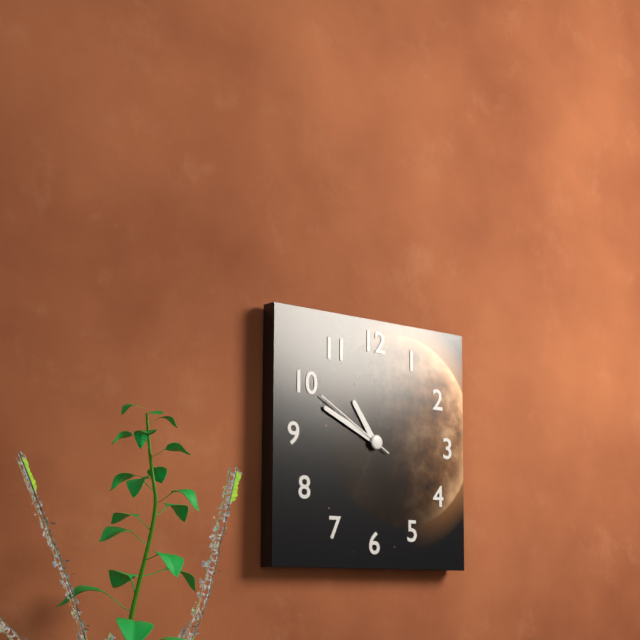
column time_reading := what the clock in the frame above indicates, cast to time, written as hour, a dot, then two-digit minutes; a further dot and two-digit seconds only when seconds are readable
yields 10.49.50
